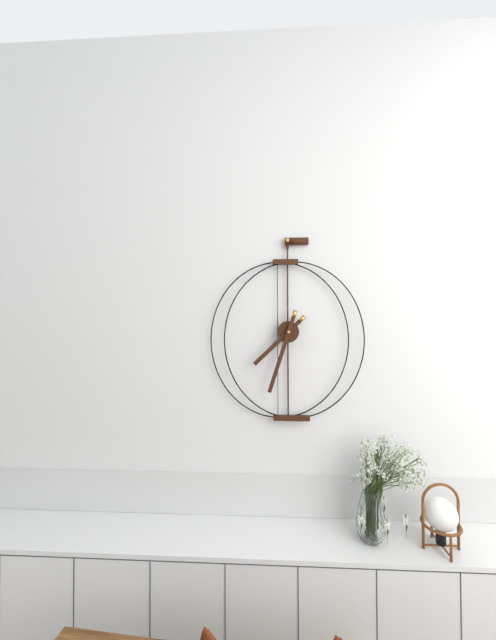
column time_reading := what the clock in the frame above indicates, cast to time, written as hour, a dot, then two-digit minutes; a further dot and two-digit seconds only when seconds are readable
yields 7.33
